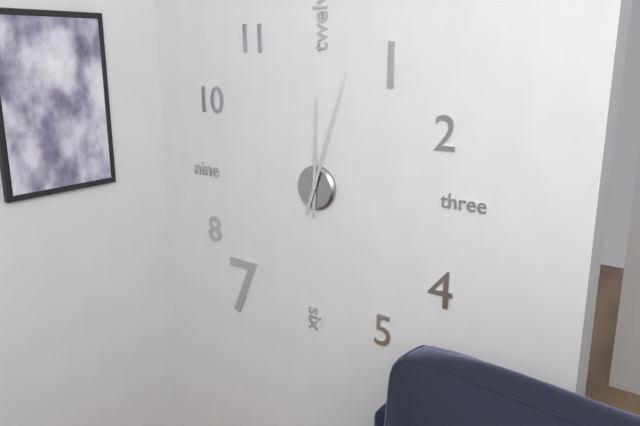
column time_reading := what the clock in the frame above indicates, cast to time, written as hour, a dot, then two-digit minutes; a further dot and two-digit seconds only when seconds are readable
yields 12.03
